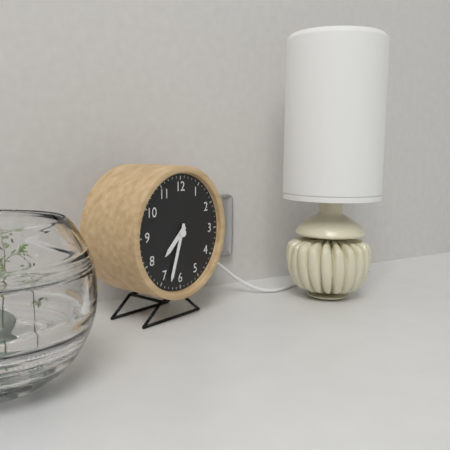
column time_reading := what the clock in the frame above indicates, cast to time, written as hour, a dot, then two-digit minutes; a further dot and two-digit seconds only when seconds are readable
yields 7.33
